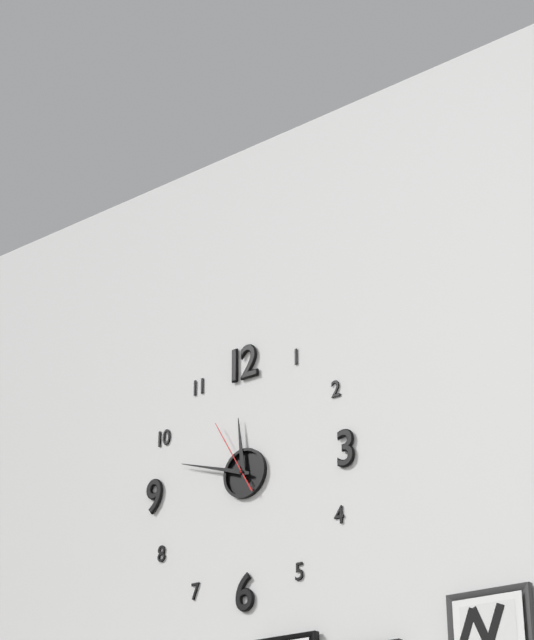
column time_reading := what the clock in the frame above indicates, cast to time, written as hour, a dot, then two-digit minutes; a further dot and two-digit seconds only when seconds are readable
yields 11.48.55
